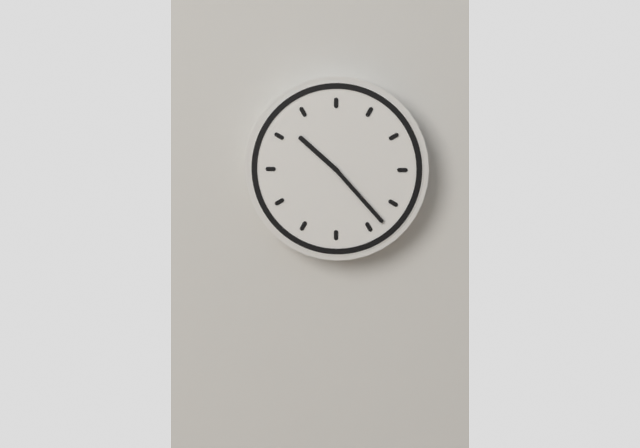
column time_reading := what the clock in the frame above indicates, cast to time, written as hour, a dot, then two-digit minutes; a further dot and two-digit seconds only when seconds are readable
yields 10.23
